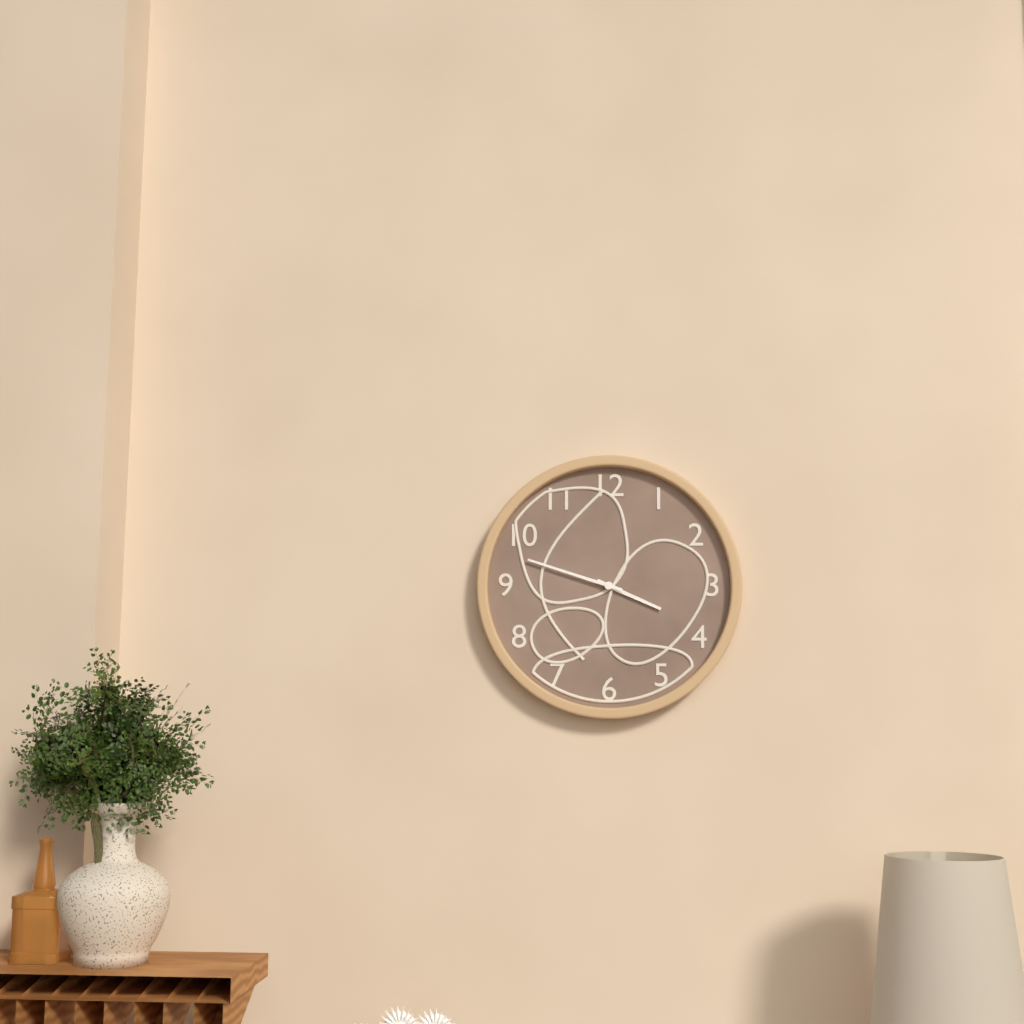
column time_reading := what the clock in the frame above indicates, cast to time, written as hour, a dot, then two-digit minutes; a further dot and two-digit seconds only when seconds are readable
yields 3.48
